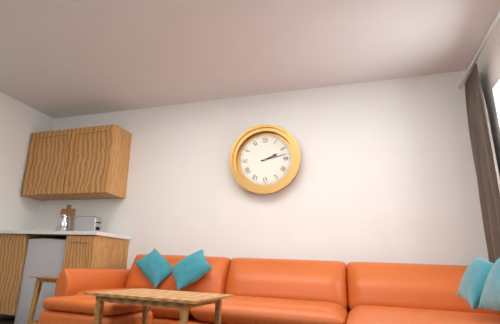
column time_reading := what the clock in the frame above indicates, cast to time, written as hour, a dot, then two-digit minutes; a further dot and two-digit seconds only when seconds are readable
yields 2.13
